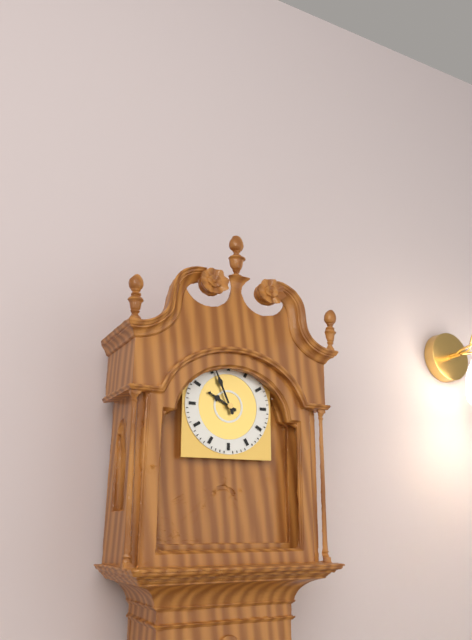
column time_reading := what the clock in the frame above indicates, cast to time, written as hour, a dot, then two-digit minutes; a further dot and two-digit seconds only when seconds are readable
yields 9.56
